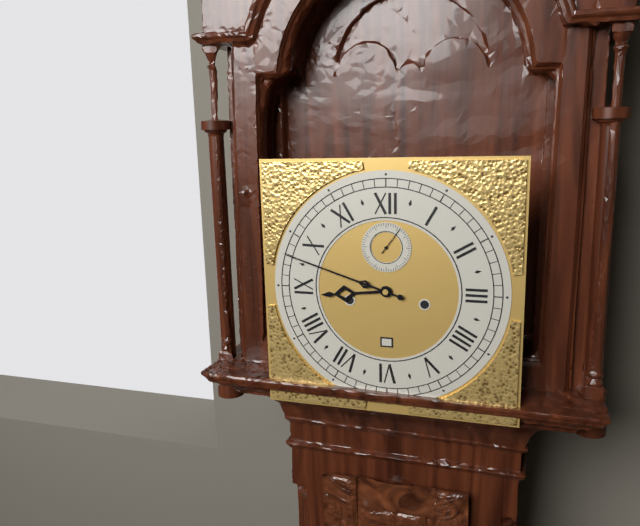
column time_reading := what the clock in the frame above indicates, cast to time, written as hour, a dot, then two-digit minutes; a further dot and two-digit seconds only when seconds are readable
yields 8.48
